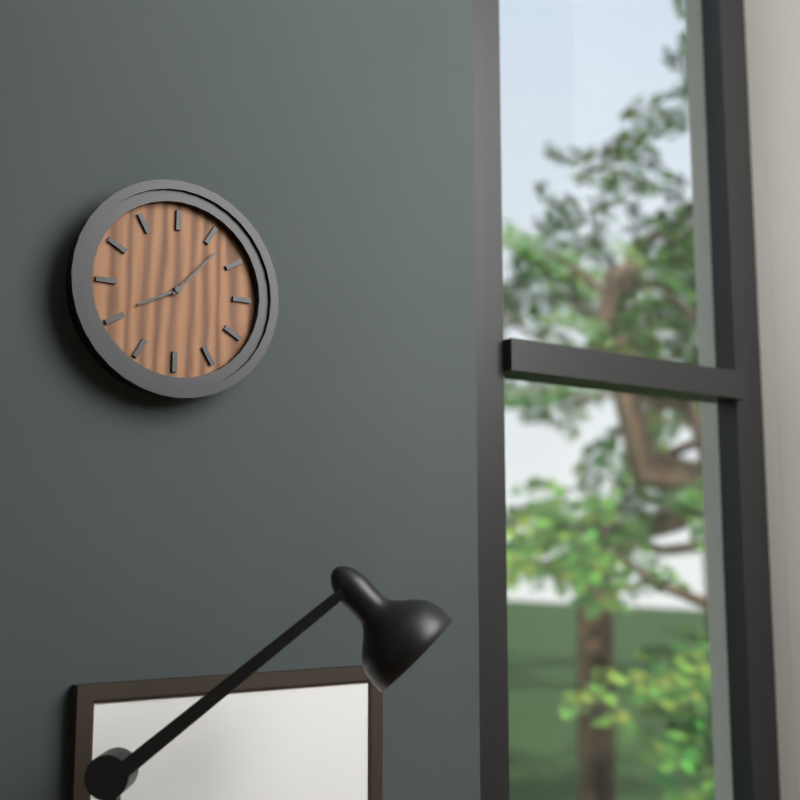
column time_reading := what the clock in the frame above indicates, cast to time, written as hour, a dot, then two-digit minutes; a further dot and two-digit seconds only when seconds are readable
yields 8.07
